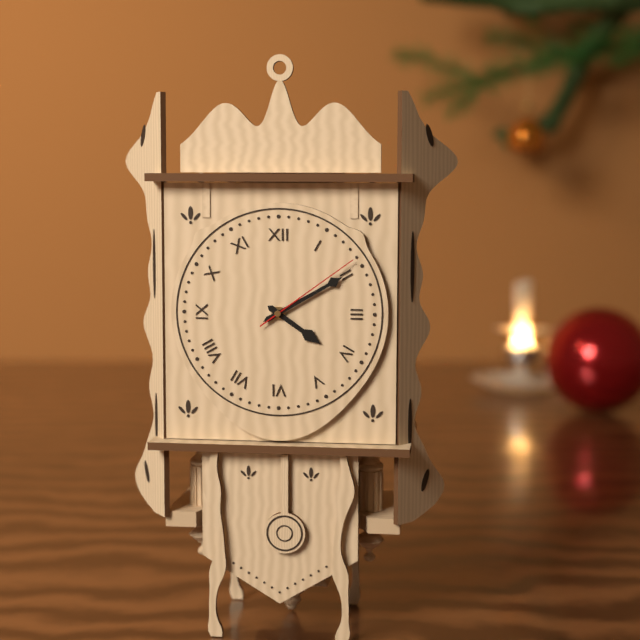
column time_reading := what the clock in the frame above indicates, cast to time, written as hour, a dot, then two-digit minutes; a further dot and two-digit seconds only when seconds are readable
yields 4.10.09
